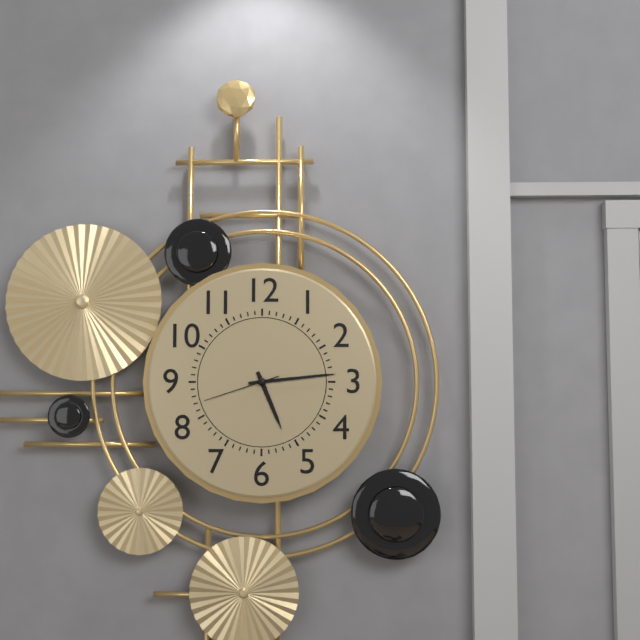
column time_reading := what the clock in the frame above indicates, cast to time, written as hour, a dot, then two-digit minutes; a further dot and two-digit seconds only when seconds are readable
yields 5.14.42
